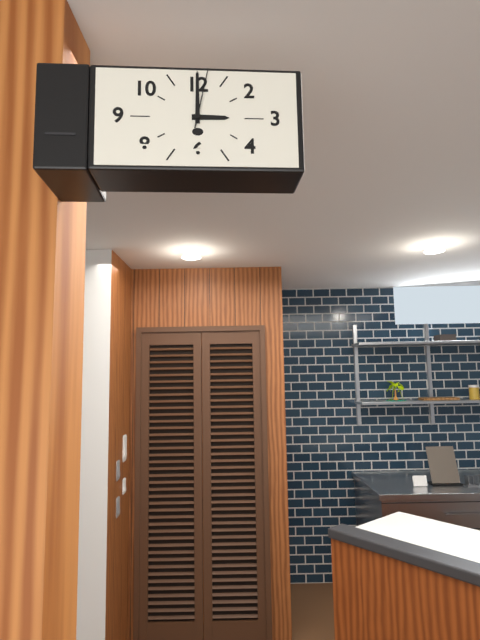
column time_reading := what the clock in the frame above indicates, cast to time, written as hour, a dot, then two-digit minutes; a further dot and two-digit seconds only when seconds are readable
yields 3.00.02
